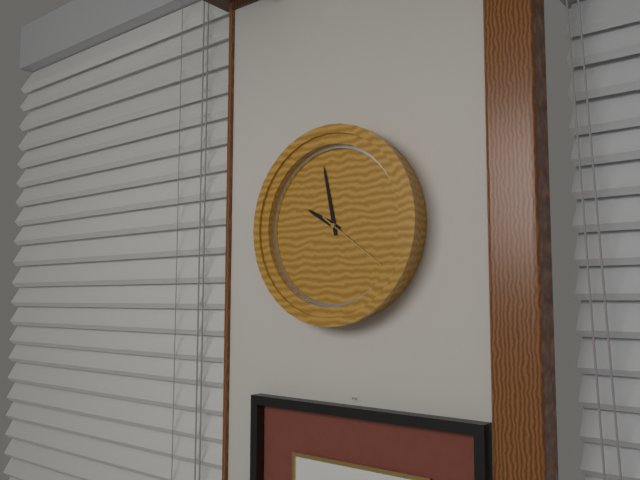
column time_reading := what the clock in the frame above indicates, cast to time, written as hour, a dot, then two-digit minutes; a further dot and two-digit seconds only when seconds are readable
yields 9.58.21
